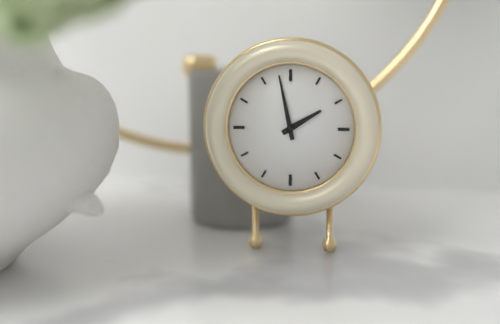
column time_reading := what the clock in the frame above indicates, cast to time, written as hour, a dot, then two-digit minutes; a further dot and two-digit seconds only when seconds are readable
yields 1.58
